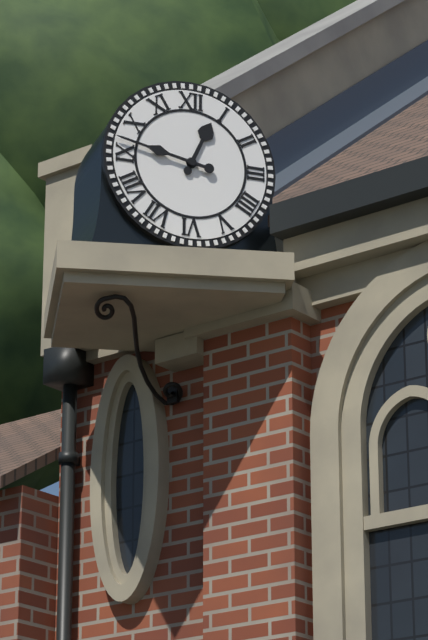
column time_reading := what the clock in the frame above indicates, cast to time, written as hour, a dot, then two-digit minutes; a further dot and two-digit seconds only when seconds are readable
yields 12.47
